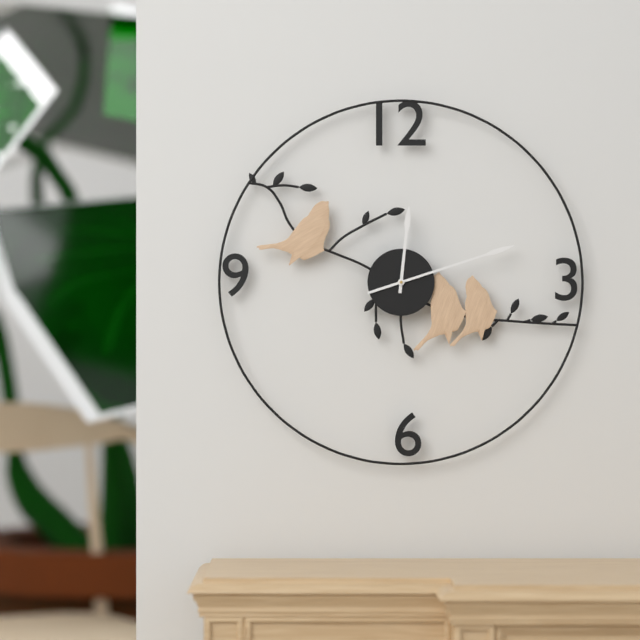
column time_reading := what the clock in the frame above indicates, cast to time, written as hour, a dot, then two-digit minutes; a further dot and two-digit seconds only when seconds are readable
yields 12.12
